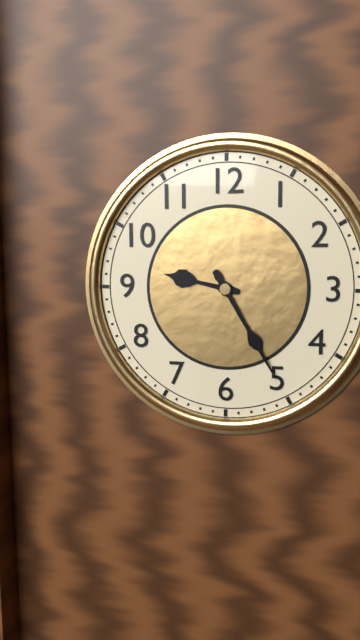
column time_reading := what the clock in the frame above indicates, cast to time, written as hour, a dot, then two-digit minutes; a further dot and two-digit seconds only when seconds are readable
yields 9.25
